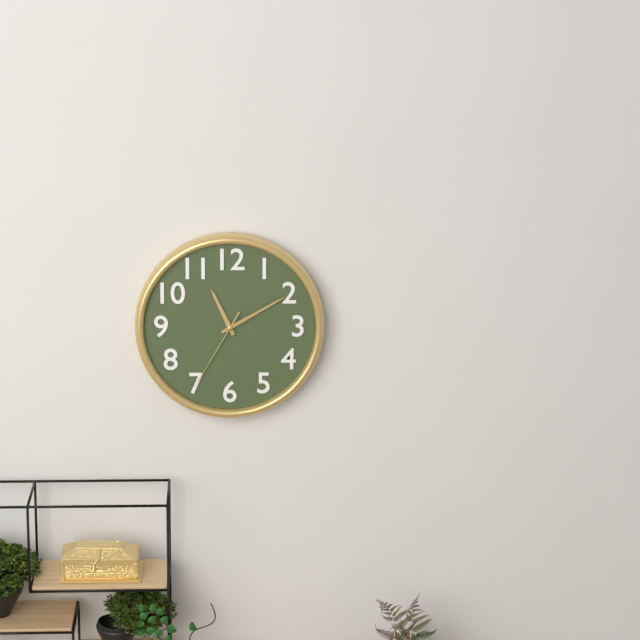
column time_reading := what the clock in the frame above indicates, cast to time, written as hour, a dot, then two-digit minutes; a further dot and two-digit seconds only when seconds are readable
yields 11.10.35
